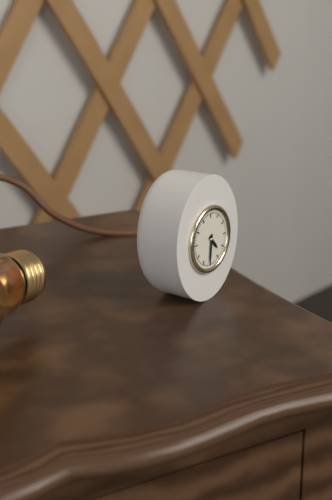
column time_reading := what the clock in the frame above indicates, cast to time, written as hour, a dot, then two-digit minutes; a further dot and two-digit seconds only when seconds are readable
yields 4.31
